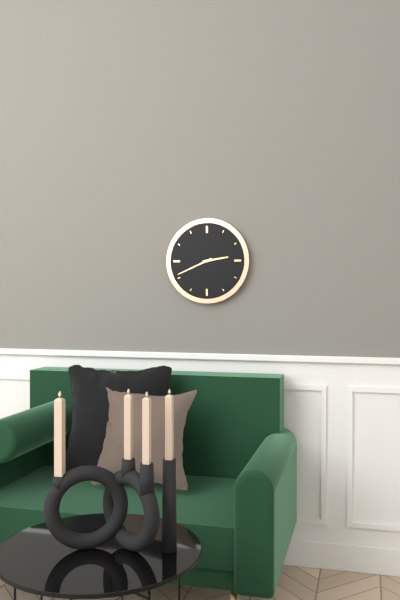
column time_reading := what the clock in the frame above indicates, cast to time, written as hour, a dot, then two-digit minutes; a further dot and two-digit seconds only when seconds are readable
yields 2.41
